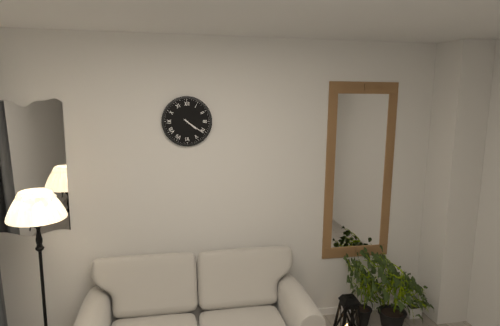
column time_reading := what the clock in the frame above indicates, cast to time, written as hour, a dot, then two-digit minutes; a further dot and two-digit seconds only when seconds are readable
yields 4.21
